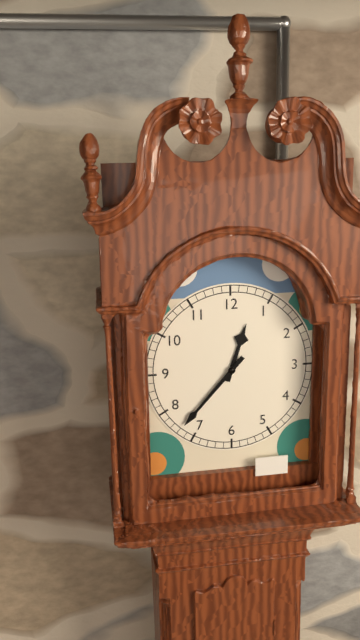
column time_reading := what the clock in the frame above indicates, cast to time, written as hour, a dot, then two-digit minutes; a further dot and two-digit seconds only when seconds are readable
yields 12.37
